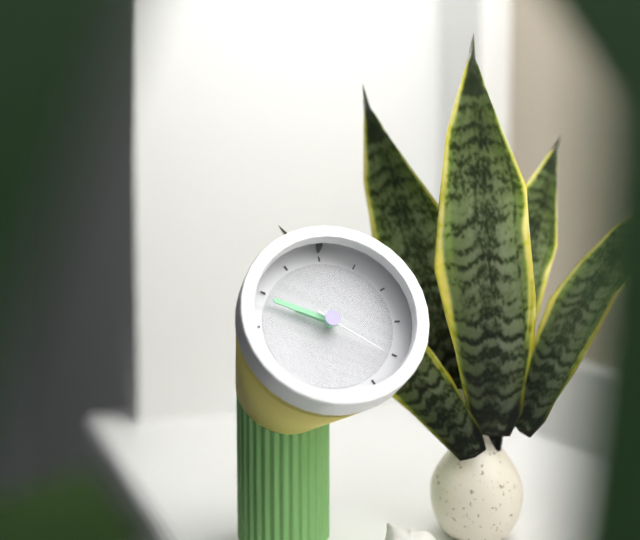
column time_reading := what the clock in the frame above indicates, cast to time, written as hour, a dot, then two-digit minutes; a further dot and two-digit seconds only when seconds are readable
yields 9.49.21
